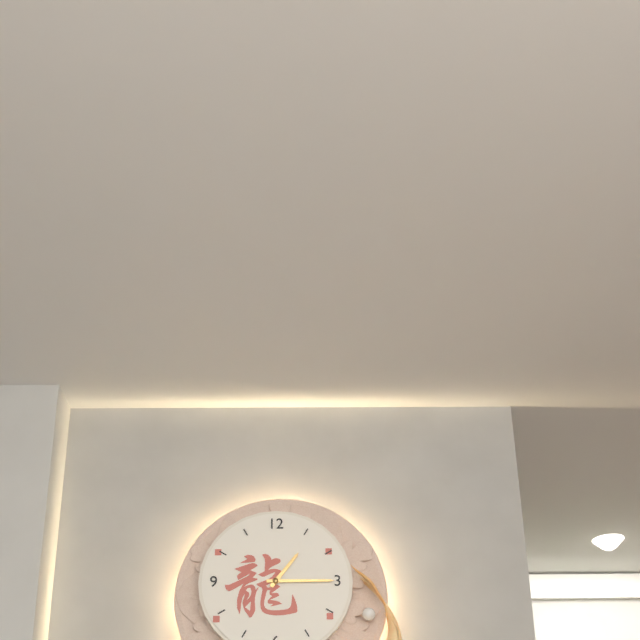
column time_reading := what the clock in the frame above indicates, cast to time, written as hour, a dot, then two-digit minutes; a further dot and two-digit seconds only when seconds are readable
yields 1.15
